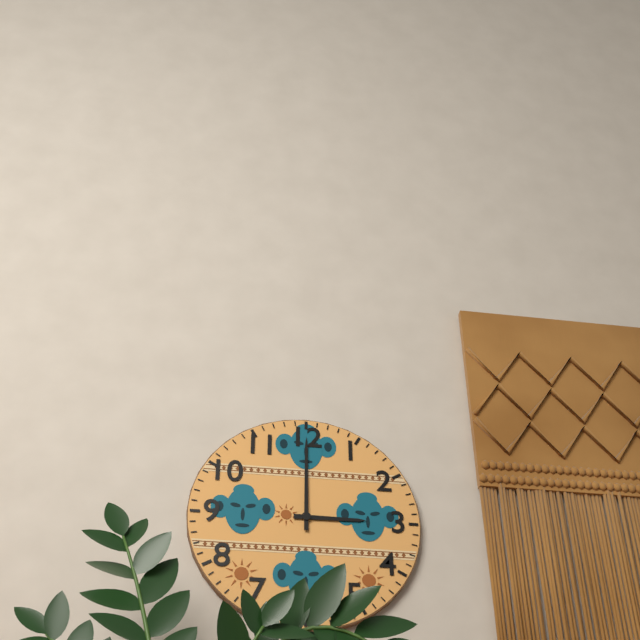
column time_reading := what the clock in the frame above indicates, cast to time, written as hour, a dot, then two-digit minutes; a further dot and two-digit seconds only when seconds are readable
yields 3.00
